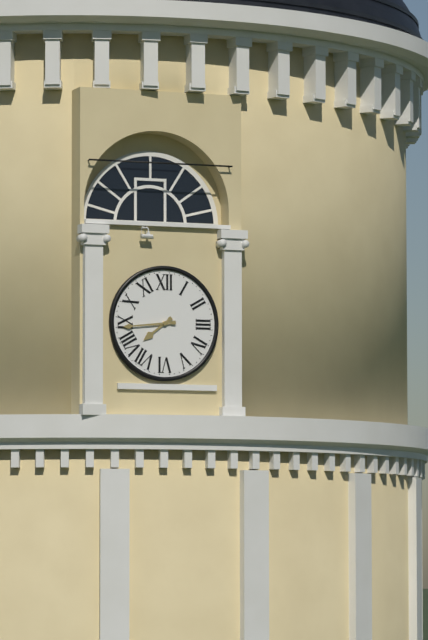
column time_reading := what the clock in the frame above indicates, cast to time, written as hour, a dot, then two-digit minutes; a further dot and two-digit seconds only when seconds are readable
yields 7.44
